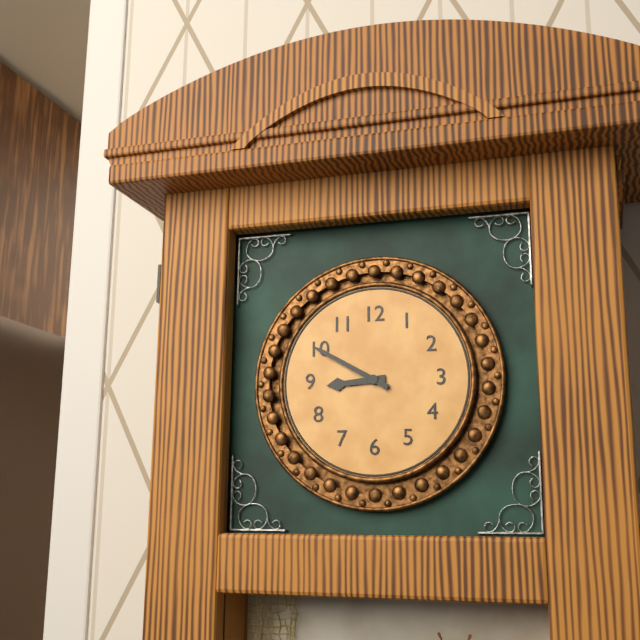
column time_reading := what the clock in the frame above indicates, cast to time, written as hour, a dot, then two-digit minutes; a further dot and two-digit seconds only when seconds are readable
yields 8.50
